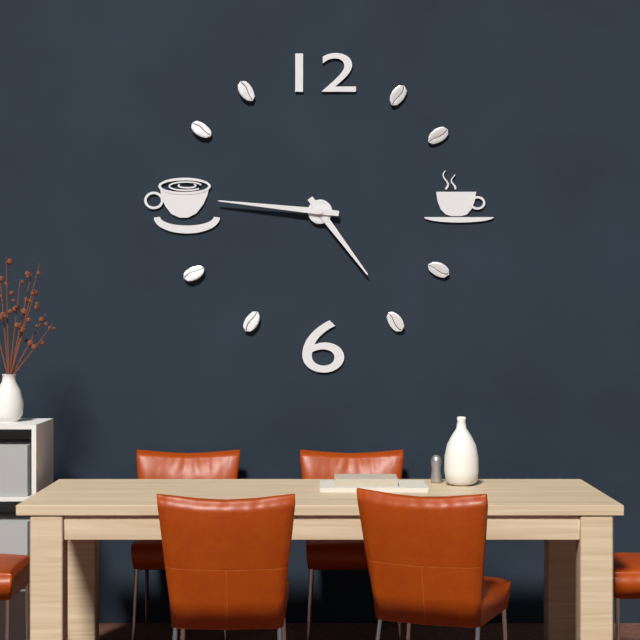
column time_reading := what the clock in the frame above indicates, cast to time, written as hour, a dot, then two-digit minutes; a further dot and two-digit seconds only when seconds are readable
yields 4.46
